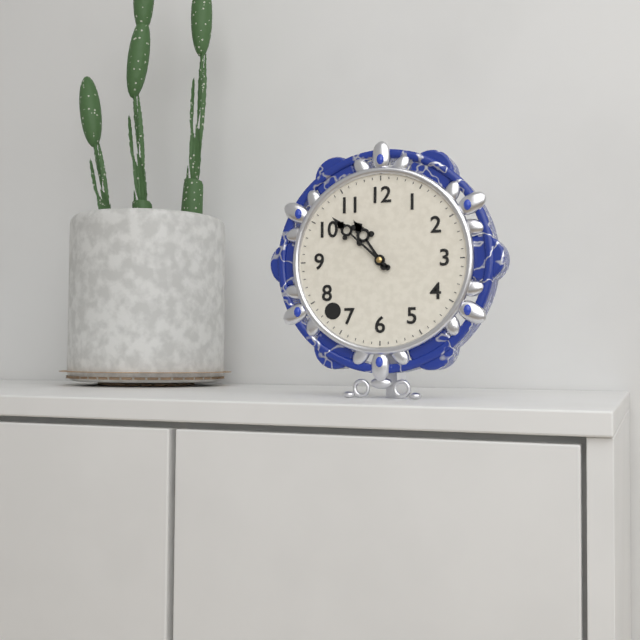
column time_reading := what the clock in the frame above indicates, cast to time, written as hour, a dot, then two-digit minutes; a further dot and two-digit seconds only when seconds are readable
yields 10.52
